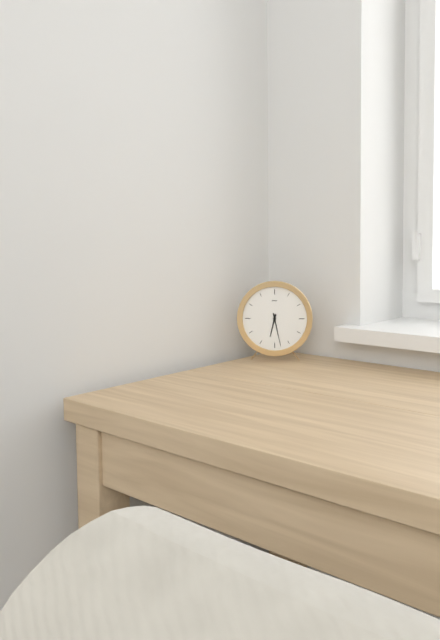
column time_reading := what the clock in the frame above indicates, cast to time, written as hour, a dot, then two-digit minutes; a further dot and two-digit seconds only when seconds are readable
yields 6.28
